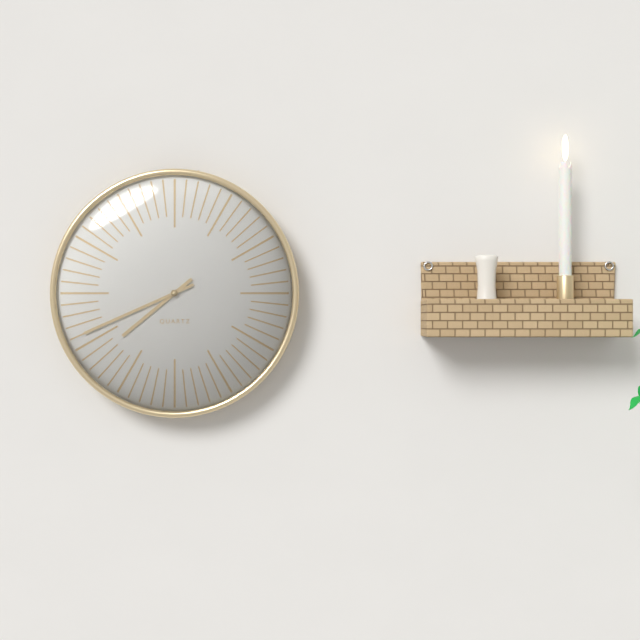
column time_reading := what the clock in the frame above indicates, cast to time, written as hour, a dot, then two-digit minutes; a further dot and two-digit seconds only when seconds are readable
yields 7.41
